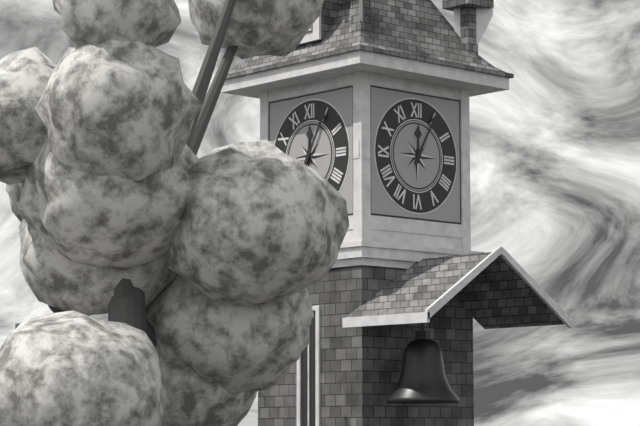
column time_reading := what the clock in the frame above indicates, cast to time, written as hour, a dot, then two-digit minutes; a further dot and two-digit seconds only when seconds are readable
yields 12.05
